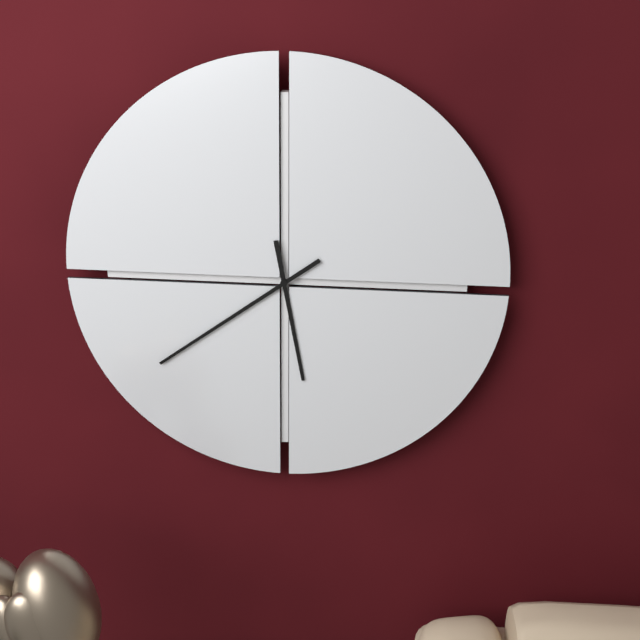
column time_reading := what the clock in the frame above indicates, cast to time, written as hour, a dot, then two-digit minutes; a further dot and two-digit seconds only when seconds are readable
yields 5.39
